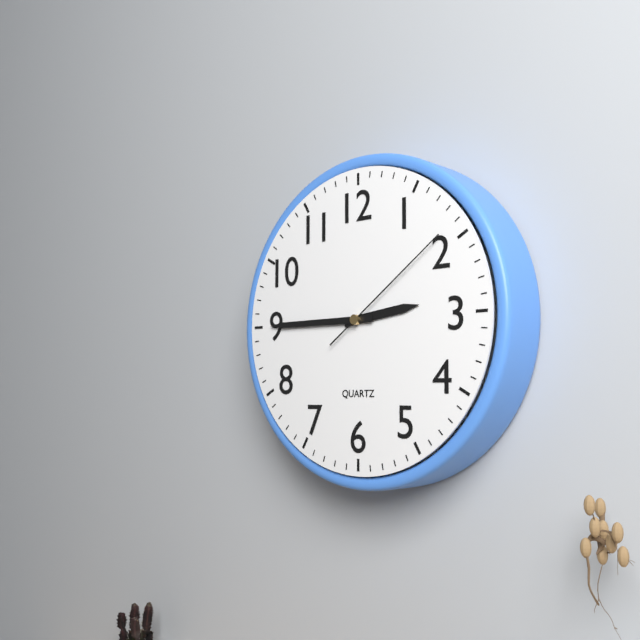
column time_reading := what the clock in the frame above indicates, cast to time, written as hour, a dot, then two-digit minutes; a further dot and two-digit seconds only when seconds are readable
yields 2.45.09
